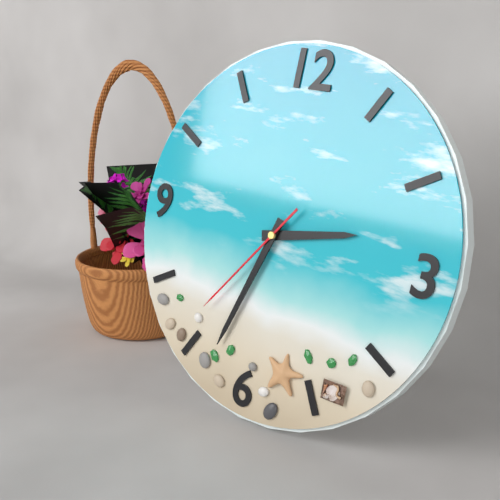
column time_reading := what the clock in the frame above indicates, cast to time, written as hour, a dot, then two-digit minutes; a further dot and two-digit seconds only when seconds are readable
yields 2.33.36
